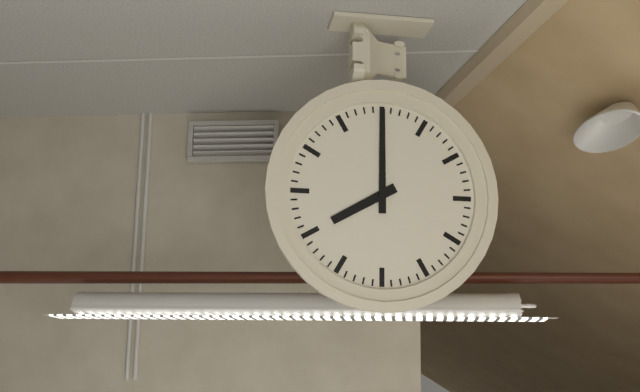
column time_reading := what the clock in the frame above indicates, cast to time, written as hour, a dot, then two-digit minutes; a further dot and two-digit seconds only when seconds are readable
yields 8.00
